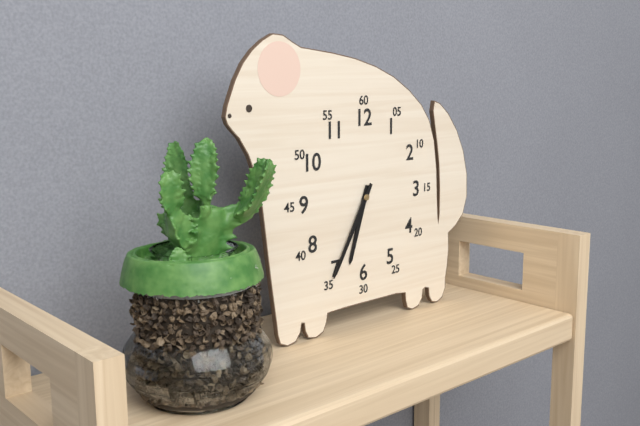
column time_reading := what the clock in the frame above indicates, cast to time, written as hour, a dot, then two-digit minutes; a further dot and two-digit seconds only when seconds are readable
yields 6.35
